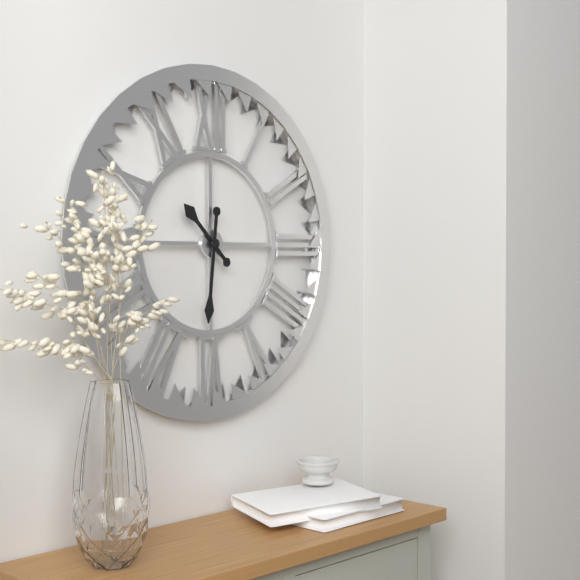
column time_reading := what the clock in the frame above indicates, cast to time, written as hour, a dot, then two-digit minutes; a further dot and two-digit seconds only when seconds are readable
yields 10.31
